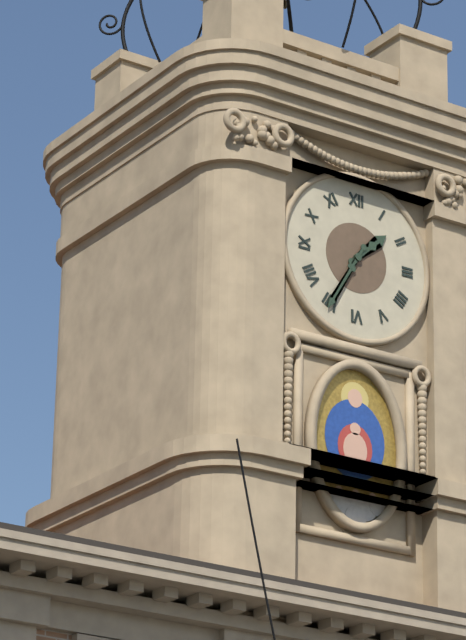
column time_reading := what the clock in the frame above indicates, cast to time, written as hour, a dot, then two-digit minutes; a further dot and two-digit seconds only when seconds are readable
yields 1.35
